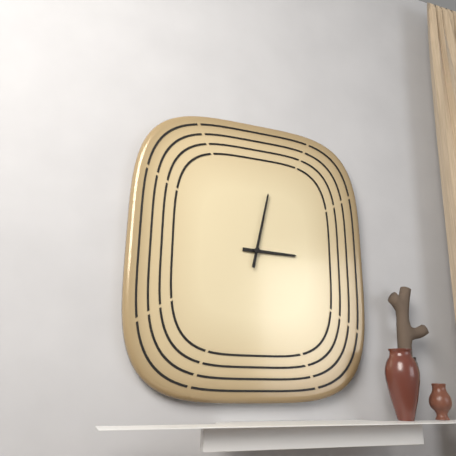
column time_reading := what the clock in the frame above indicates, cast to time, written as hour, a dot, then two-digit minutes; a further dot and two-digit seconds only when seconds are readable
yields 3.02
